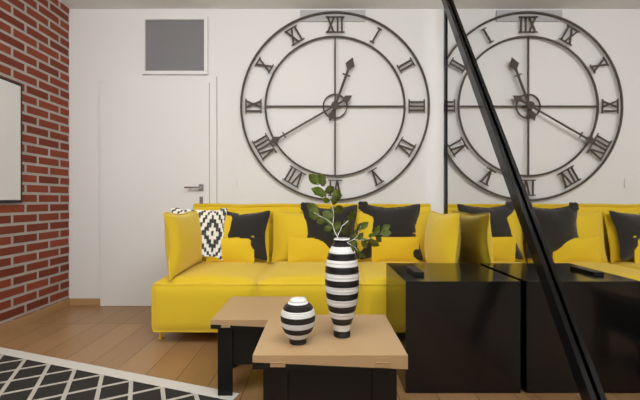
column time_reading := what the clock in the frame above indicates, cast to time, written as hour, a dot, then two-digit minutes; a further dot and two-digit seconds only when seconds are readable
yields 12.40
